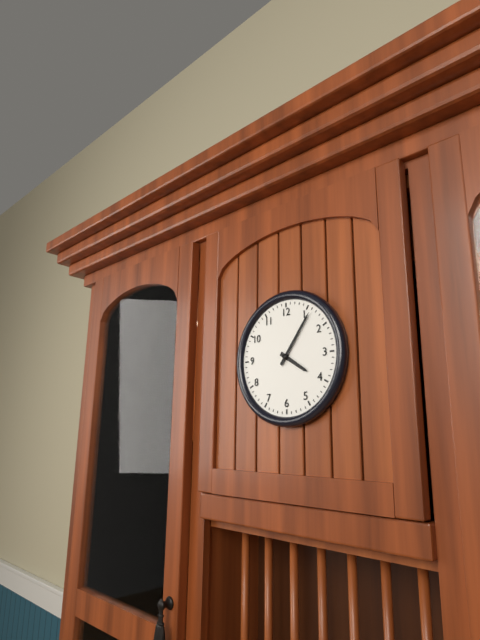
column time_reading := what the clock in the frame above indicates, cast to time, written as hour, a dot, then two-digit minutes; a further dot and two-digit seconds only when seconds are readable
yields 4.06
